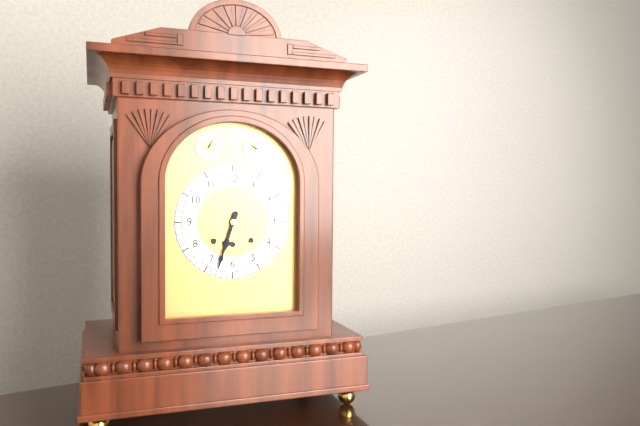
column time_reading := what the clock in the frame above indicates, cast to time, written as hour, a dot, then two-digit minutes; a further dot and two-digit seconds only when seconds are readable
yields 6.33
